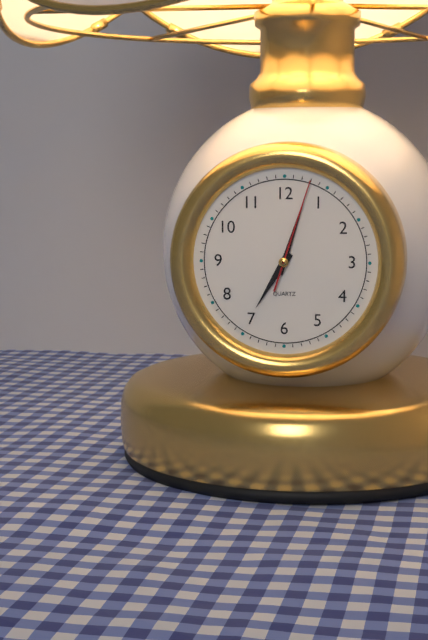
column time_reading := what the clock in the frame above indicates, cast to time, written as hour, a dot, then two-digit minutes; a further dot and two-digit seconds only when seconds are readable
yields 7.03.03
